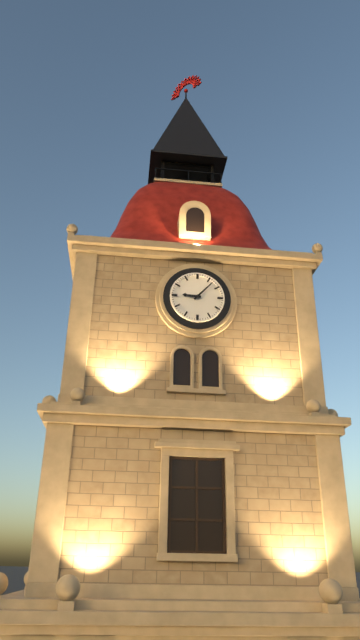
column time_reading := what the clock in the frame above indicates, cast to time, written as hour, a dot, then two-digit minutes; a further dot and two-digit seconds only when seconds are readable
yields 9.07
